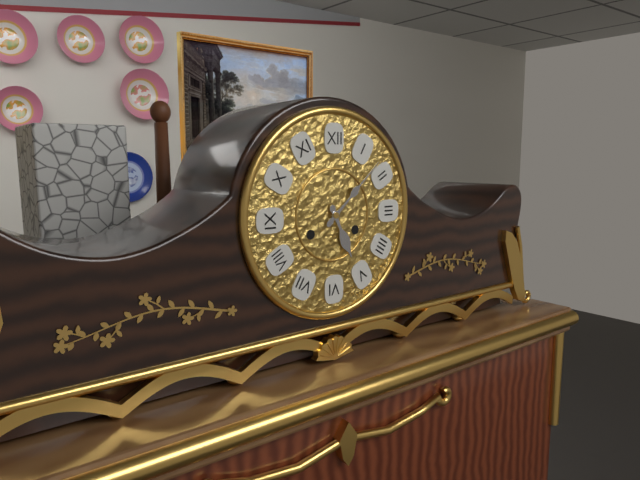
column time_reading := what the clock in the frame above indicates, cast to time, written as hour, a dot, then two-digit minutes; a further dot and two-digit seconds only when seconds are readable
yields 5.08
